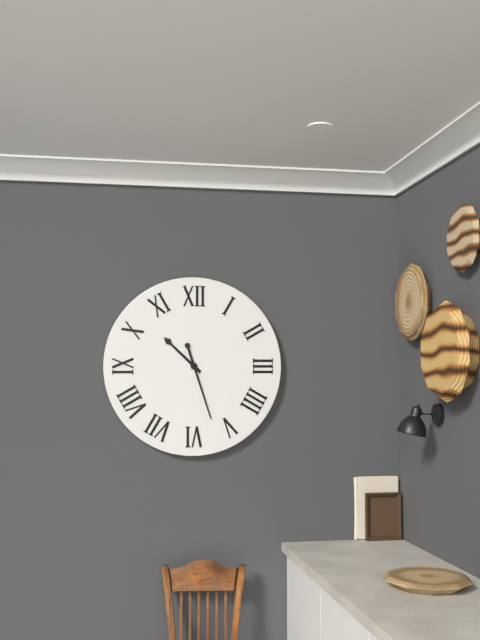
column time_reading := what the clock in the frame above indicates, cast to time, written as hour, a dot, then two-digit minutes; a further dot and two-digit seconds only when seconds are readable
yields 10.27
